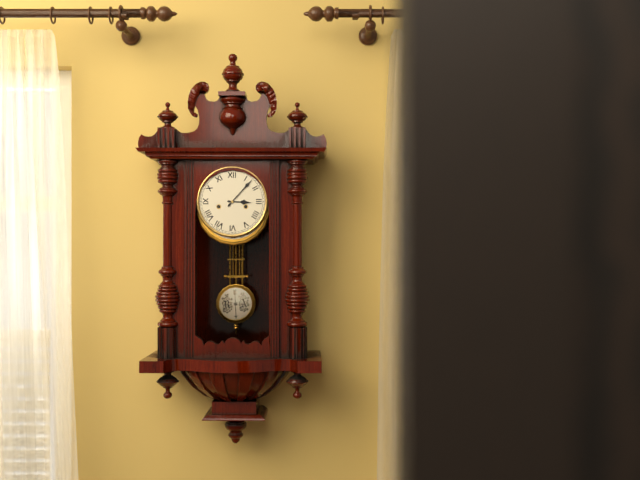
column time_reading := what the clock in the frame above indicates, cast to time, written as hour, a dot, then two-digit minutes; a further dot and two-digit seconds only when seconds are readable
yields 3.07
